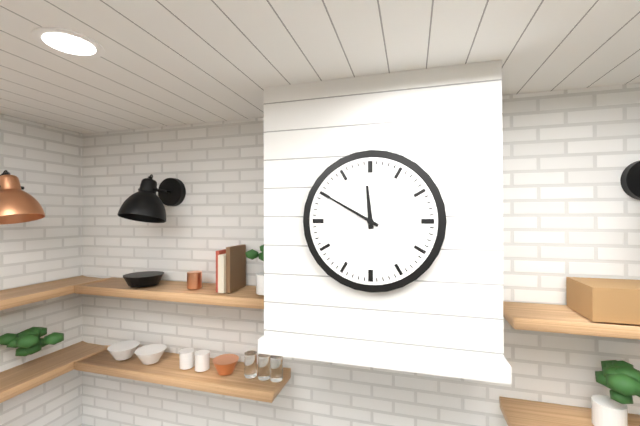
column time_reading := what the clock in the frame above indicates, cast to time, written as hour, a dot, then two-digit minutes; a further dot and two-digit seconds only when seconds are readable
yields 11.50
